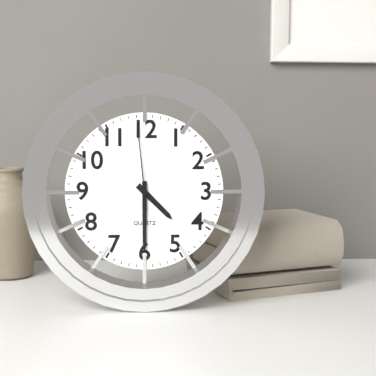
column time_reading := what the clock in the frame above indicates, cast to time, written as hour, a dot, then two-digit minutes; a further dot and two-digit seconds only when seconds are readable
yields 4.30.59
